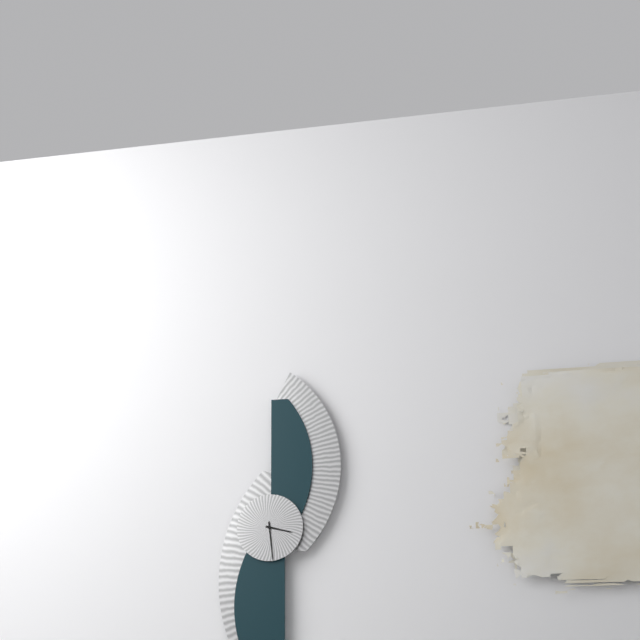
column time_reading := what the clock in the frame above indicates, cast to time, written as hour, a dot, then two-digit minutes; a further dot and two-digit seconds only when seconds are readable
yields 3.29
